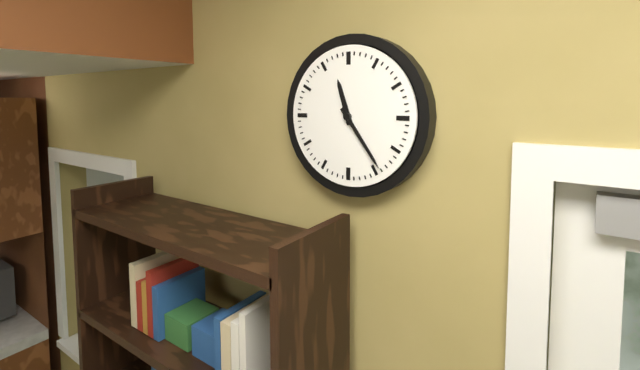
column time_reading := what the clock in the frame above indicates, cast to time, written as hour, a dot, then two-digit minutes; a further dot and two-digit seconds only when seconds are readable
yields 11.24
